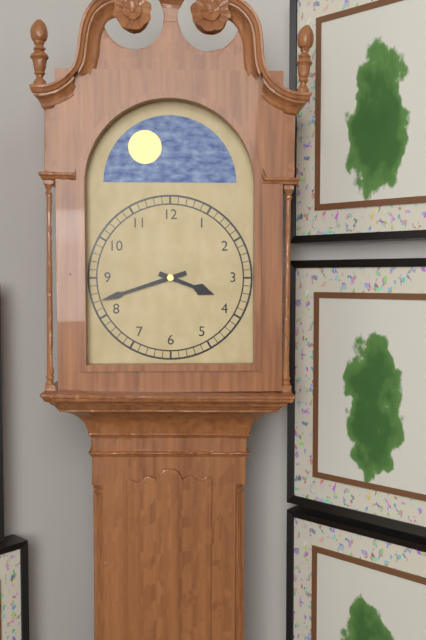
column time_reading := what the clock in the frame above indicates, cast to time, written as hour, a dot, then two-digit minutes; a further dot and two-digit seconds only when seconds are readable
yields 3.42
